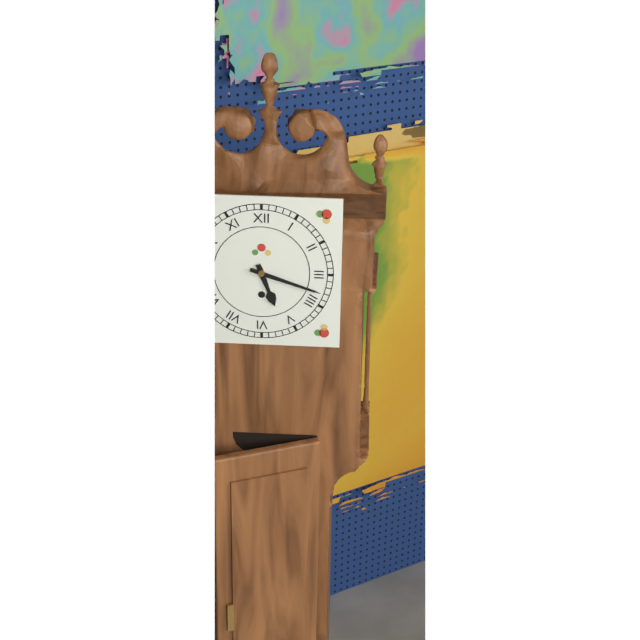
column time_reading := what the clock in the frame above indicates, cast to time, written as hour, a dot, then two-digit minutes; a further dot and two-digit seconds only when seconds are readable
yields 5.18
